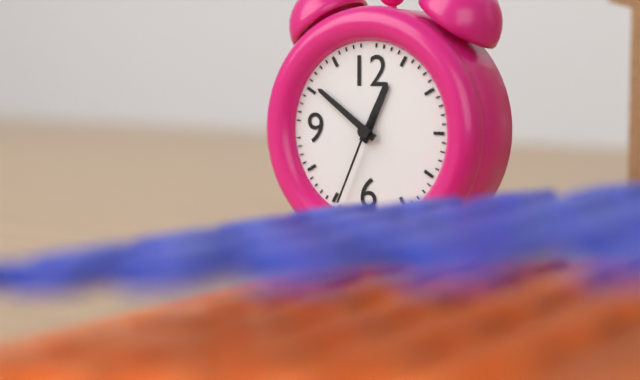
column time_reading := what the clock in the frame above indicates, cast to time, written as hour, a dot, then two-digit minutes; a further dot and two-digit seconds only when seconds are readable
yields 12.51.34
